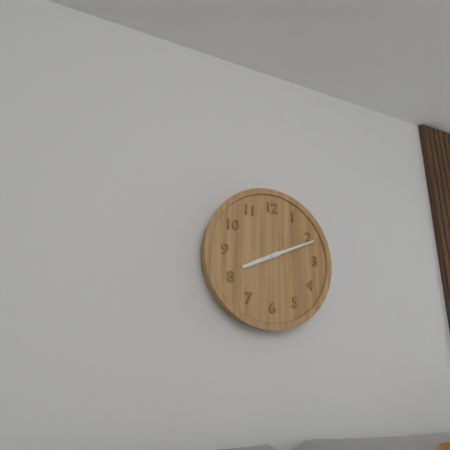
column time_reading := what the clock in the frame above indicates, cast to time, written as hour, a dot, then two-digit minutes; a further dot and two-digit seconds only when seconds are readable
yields 8.11
